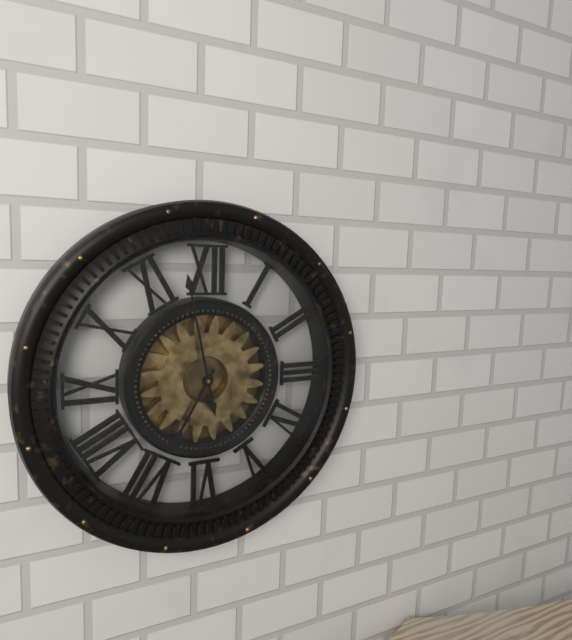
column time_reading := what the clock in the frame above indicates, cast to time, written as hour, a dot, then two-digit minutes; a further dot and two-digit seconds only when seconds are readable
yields 6.58
